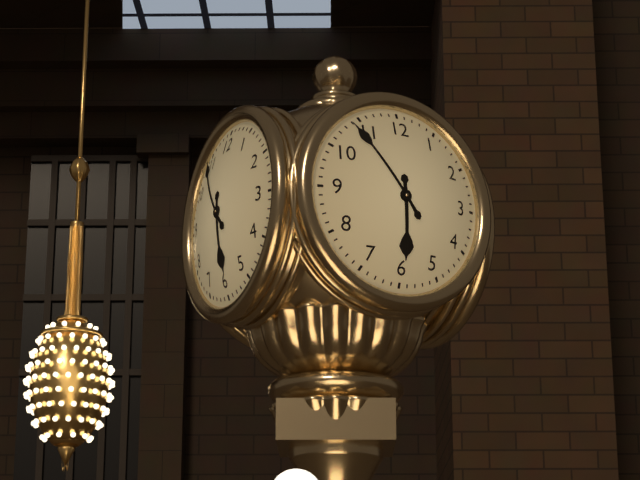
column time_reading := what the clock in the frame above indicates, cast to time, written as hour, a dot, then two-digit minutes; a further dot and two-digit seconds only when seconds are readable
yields 5.54
